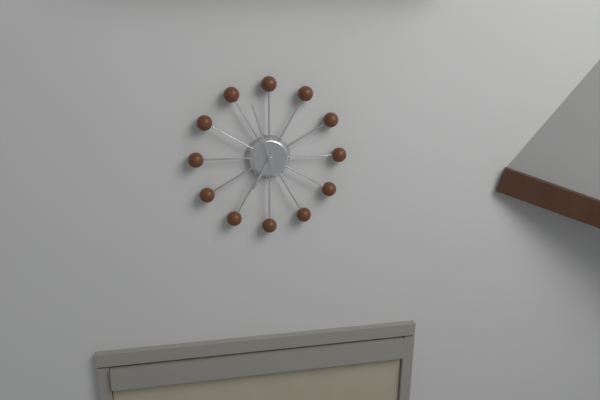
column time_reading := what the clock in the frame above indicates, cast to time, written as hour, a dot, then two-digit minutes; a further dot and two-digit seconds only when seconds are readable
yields 6.57
